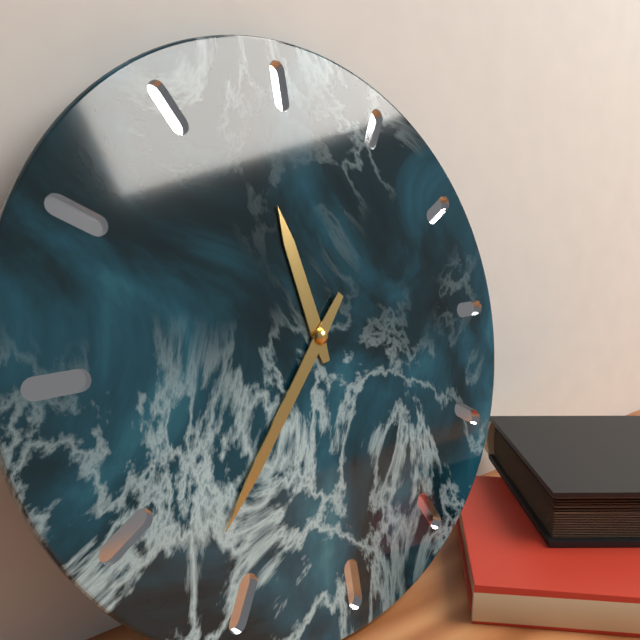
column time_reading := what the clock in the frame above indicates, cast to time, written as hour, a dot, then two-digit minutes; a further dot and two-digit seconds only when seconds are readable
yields 11.37
